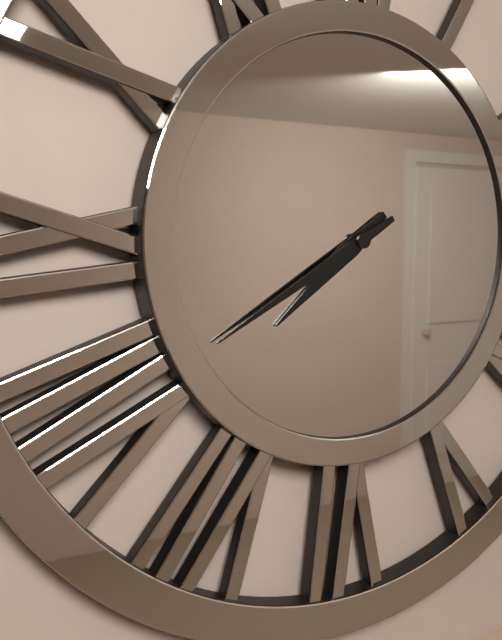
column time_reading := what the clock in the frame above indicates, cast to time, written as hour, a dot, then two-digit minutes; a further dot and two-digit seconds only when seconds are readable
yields 7.40
